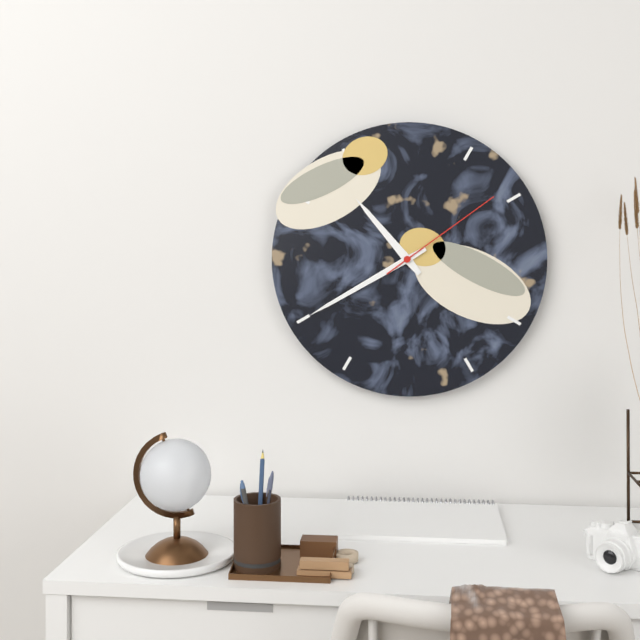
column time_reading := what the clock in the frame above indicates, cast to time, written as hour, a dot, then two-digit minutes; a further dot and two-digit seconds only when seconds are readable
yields 10.40.09
